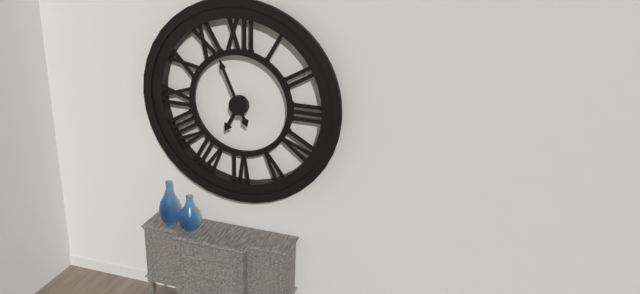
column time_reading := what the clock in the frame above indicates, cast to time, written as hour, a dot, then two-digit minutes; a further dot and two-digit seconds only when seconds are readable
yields 6.56
